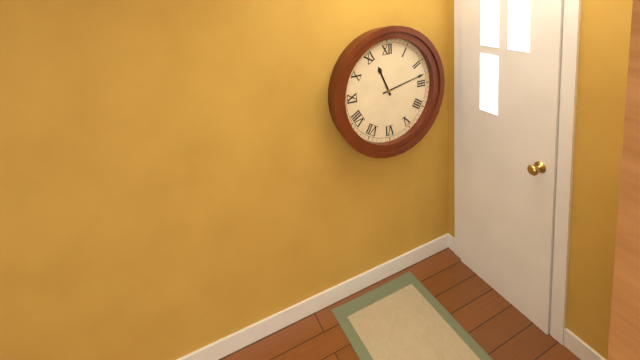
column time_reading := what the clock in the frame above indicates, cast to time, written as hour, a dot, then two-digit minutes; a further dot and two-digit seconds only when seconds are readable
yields 11.13
